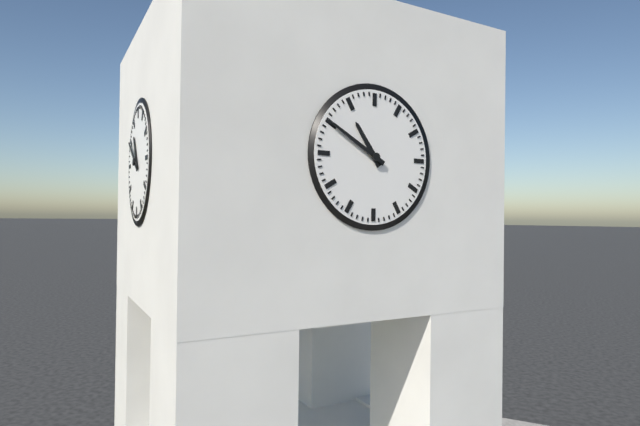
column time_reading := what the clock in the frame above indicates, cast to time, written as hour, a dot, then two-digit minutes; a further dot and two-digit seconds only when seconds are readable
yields 10.50
